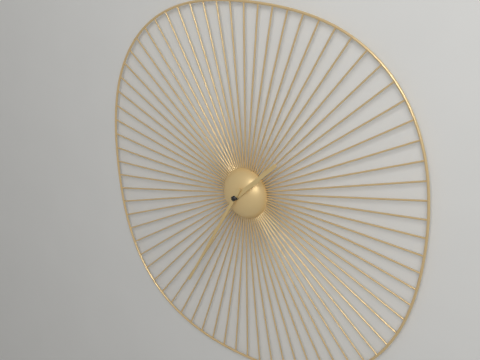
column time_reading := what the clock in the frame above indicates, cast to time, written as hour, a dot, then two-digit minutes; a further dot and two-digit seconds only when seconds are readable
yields 1.35
